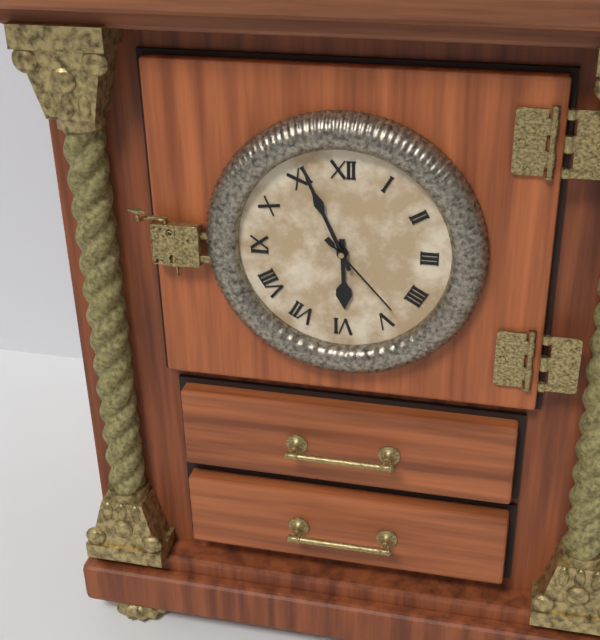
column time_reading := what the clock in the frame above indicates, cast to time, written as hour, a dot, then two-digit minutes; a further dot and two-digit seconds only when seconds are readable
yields 5.56.23
